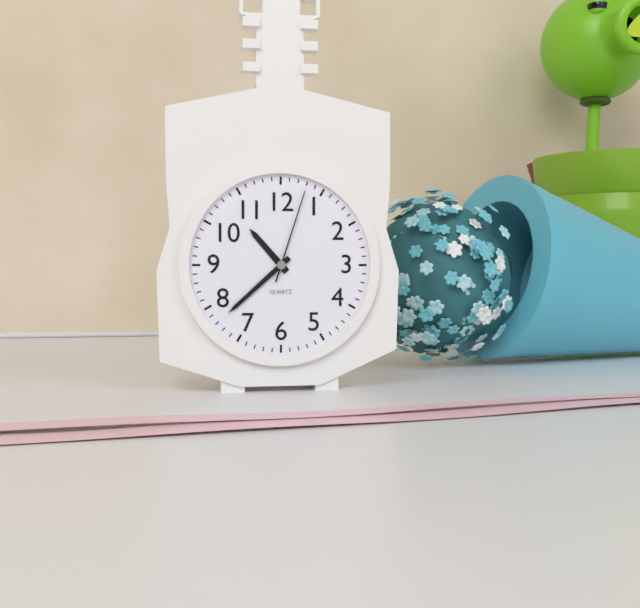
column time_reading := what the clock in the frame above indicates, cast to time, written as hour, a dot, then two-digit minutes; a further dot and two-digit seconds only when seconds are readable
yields 10.38.03
